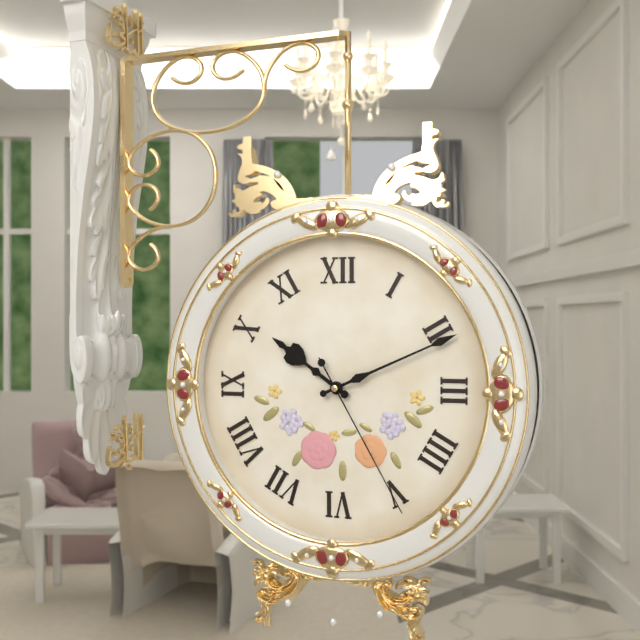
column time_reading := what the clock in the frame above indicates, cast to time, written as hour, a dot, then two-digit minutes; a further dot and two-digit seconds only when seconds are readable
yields 10.11.25
